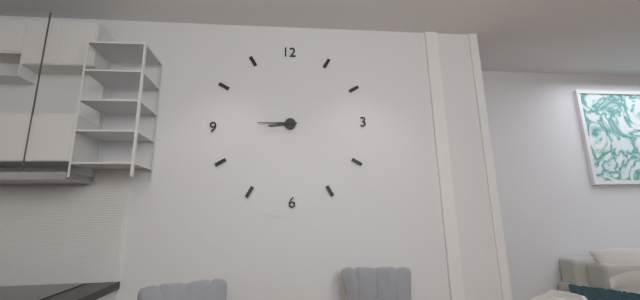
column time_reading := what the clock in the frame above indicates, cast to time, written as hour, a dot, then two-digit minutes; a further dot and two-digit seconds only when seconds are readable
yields 8.45
